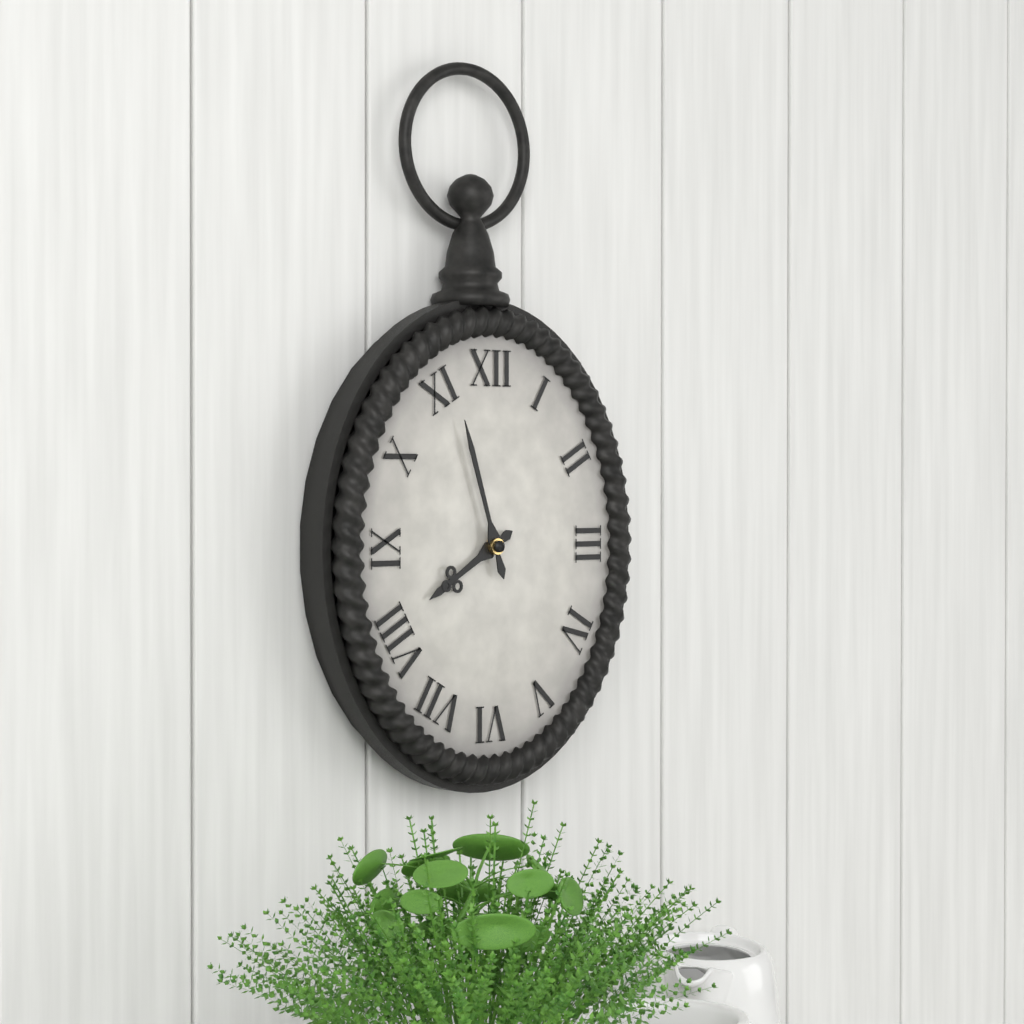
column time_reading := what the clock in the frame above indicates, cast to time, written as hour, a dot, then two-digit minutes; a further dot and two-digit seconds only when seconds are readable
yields 7.57
